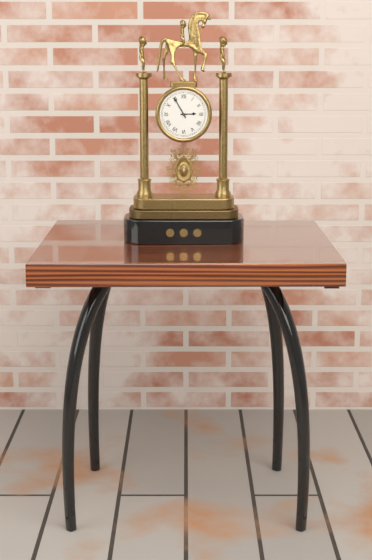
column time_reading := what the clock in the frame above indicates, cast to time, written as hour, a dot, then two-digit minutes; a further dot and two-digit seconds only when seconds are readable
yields 2.55
